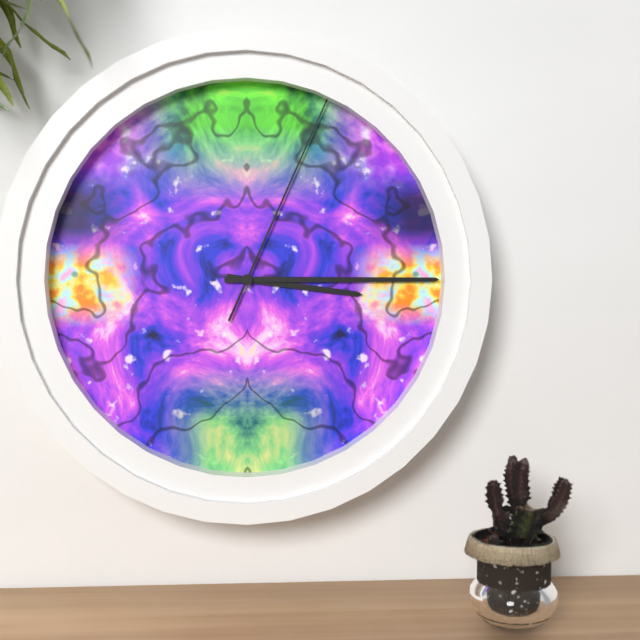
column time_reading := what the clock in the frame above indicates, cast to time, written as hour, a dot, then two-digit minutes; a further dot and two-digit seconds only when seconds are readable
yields 3.15.04
